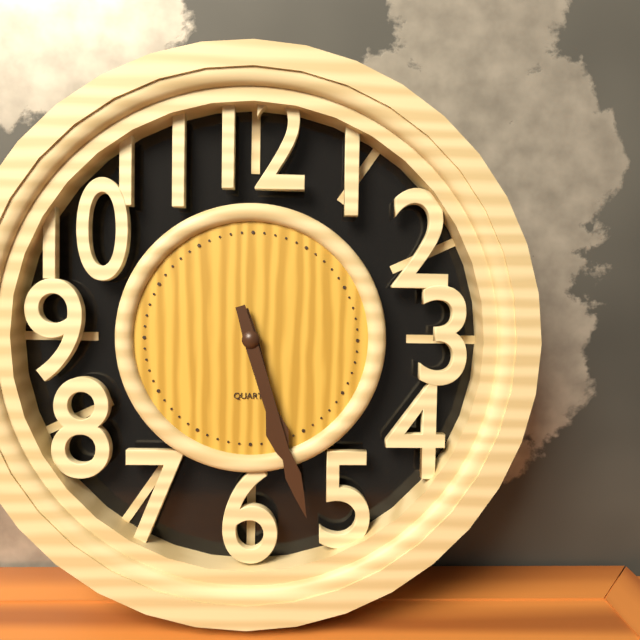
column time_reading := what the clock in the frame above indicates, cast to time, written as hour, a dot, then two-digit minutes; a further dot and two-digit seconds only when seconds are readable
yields 5.27
